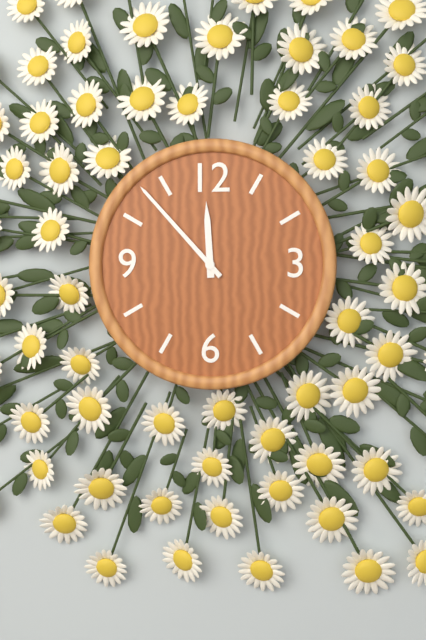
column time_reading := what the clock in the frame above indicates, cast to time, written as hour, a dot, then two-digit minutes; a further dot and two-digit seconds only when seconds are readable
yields 11.53
